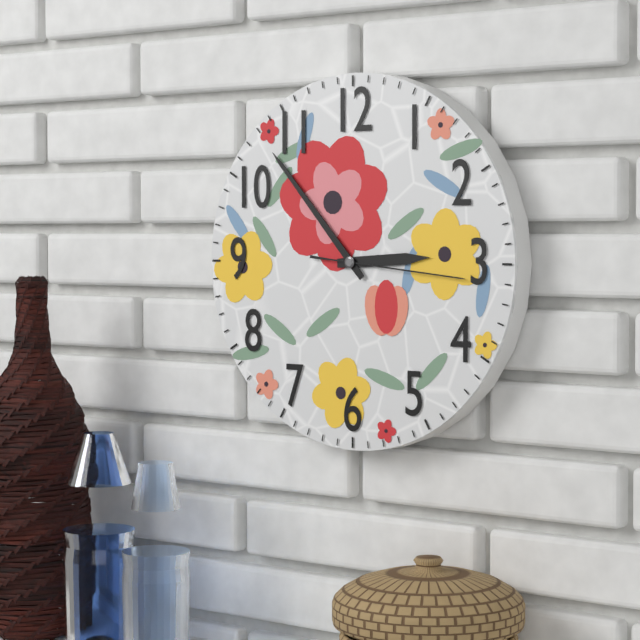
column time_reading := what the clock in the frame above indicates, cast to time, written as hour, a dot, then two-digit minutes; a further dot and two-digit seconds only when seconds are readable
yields 2.53.16
